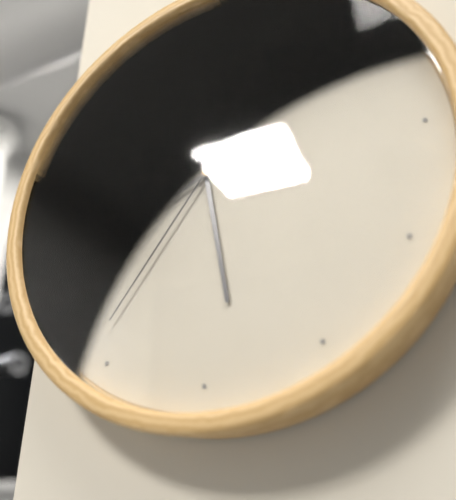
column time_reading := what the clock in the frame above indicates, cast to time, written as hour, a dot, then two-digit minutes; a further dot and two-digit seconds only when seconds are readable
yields 5.41.36
